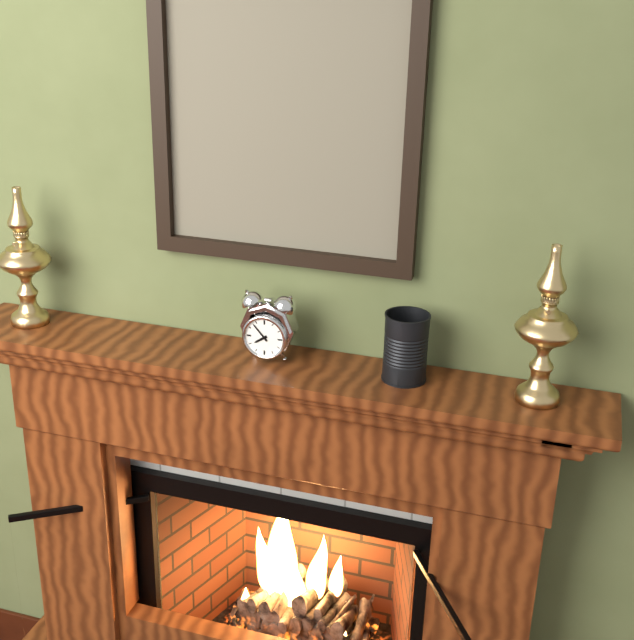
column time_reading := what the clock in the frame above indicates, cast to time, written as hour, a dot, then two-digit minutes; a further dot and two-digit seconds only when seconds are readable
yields 7.53
